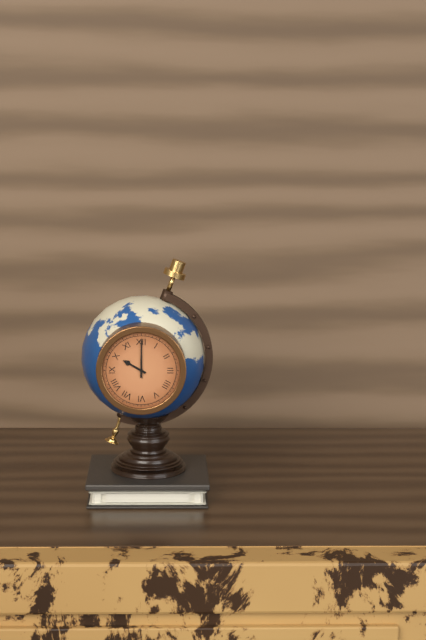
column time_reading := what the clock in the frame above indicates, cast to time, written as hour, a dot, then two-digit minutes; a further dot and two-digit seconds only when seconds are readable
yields 10.00
